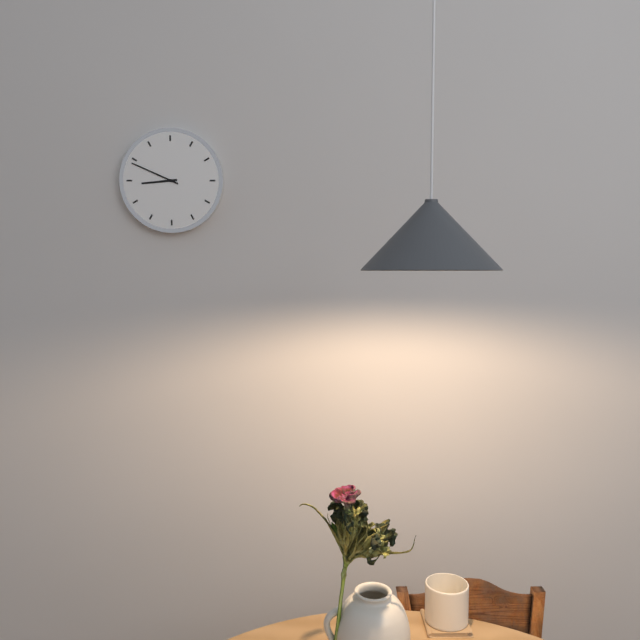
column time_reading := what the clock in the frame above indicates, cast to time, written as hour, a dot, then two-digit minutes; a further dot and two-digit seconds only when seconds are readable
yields 8.49
